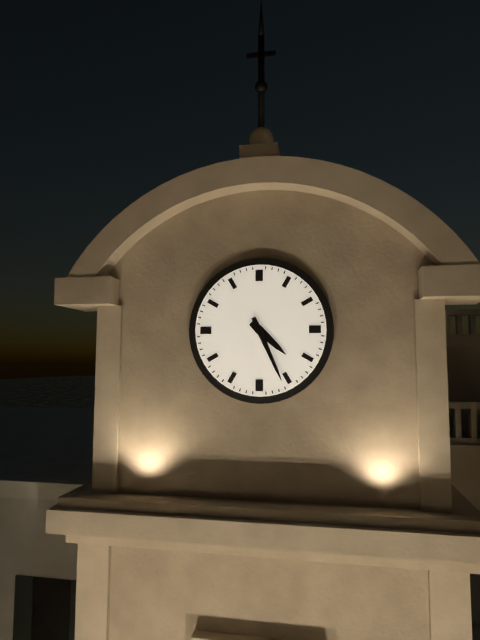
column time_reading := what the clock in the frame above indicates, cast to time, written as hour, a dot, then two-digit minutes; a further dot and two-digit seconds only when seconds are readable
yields 4.26
